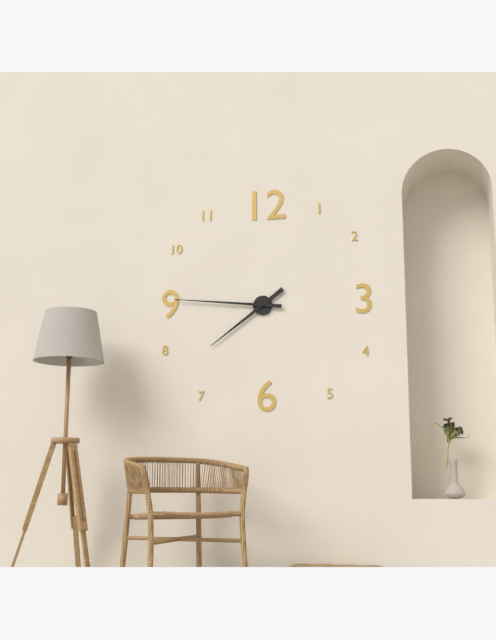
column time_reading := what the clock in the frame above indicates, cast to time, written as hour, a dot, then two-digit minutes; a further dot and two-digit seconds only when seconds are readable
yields 7.46
